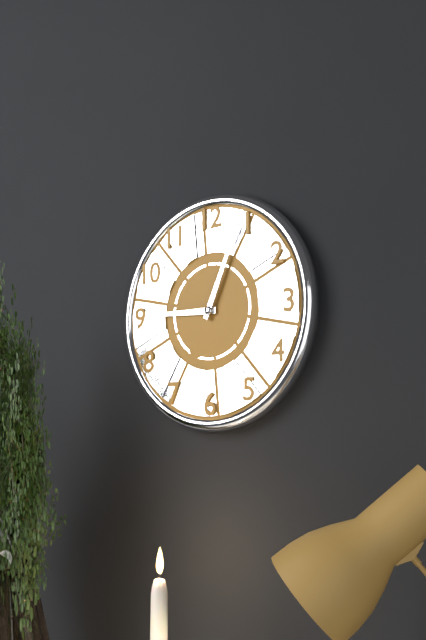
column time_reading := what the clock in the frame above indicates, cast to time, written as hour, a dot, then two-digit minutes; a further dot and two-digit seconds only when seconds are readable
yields 9.04
